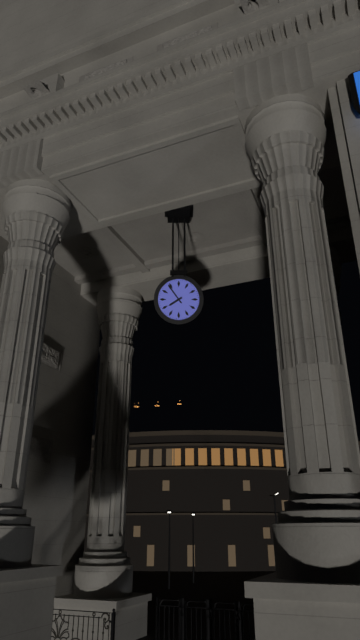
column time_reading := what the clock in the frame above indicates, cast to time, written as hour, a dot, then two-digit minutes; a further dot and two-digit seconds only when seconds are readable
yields 7.54
